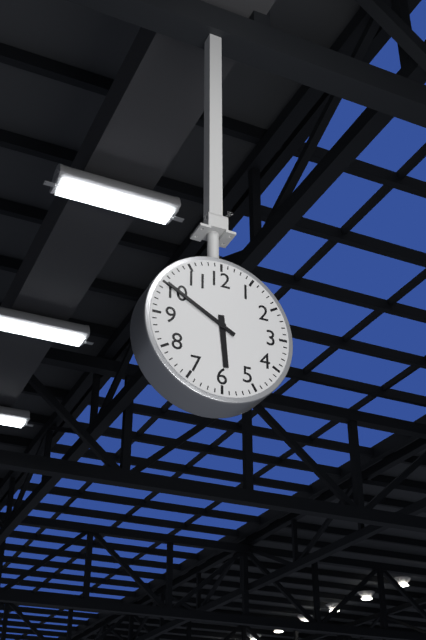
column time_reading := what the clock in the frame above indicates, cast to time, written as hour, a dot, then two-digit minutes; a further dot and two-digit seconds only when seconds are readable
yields 5.50
